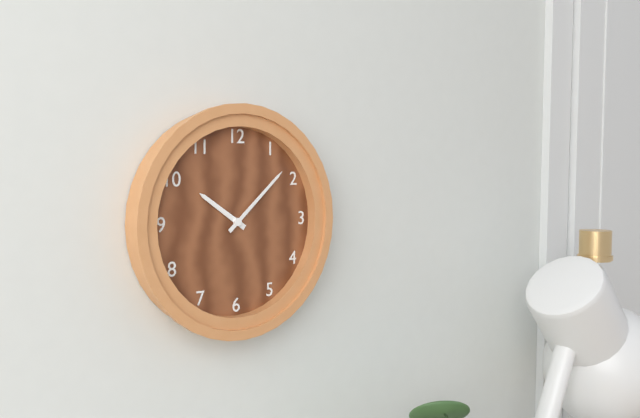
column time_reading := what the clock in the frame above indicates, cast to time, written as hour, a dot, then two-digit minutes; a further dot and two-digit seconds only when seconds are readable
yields 10.08
